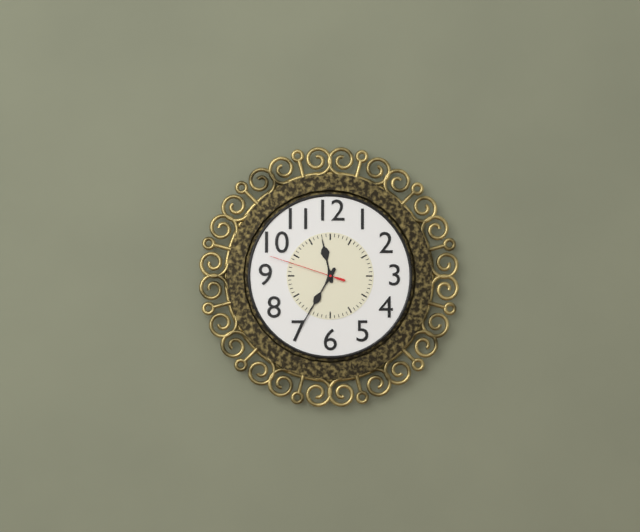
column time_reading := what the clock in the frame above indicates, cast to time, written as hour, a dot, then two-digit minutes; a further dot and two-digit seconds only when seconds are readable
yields 11.35.48
